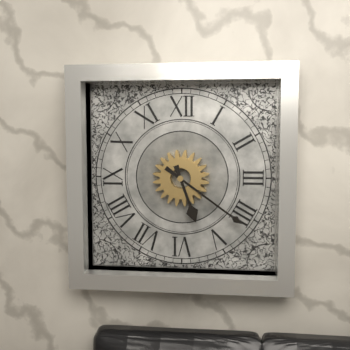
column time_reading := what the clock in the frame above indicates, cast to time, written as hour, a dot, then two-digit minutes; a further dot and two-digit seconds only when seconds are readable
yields 5.21
